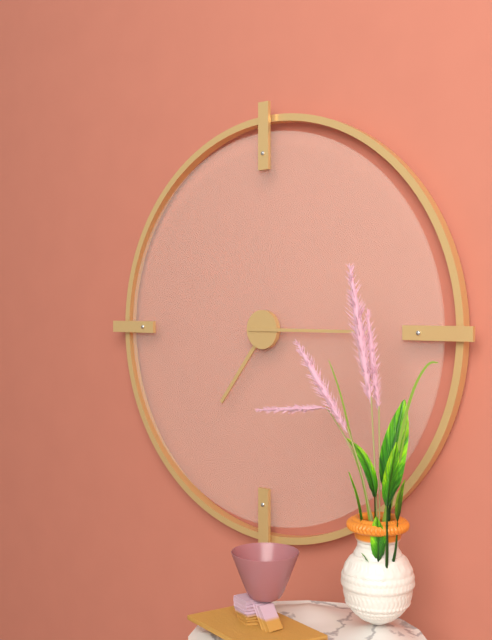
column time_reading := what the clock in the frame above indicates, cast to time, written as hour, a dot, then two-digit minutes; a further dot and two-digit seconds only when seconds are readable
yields 7.15
